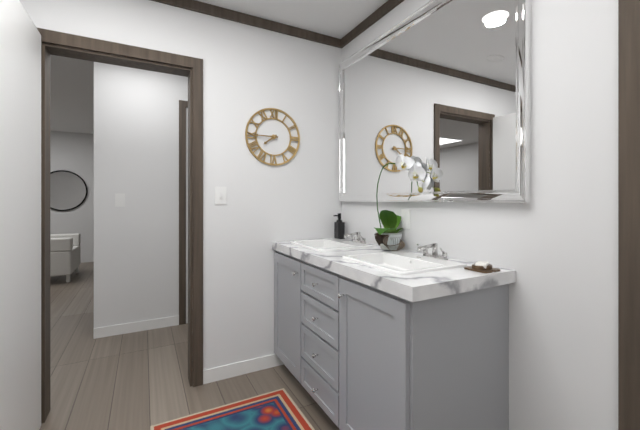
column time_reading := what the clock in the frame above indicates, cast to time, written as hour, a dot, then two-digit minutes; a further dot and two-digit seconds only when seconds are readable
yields 7.45
